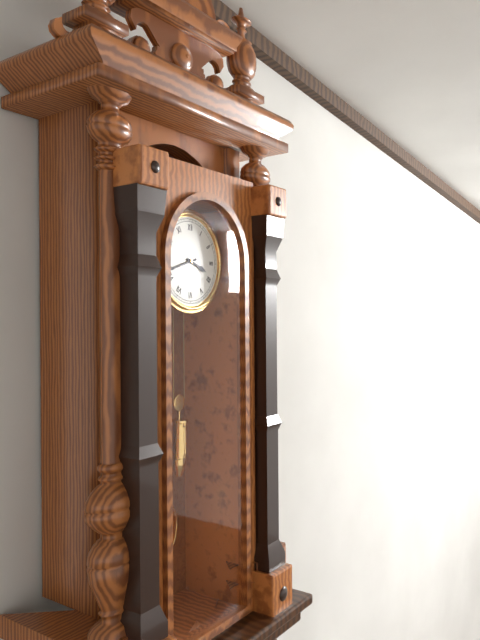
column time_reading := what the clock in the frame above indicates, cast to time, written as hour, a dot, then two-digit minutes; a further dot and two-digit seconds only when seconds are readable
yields 3.42
